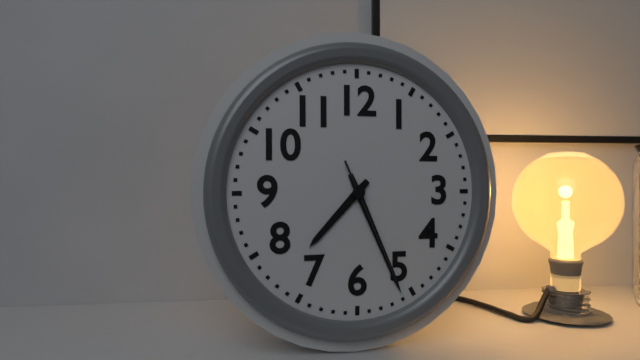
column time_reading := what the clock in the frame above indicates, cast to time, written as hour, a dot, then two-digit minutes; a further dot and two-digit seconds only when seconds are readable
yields 7.26.26
